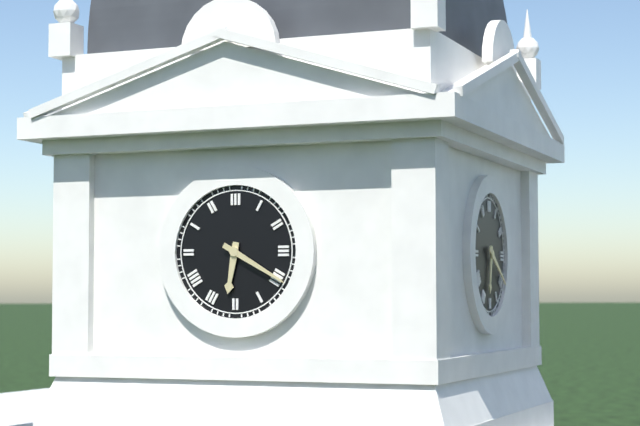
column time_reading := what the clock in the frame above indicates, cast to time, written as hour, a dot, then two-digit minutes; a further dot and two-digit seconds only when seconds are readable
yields 6.20
